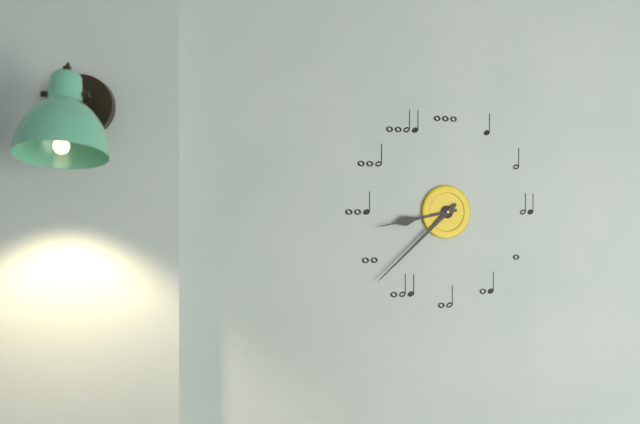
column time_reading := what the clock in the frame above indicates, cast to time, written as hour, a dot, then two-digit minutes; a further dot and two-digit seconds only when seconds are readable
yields 8.38
